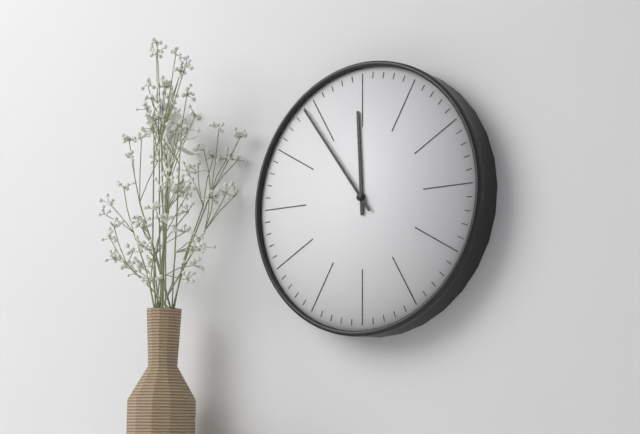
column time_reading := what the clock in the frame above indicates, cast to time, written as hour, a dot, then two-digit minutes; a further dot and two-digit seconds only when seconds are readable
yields 11.54
